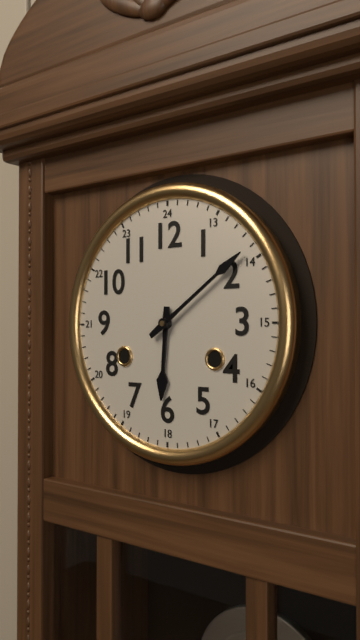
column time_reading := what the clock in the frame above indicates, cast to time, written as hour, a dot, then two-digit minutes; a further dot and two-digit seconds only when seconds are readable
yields 6.09
